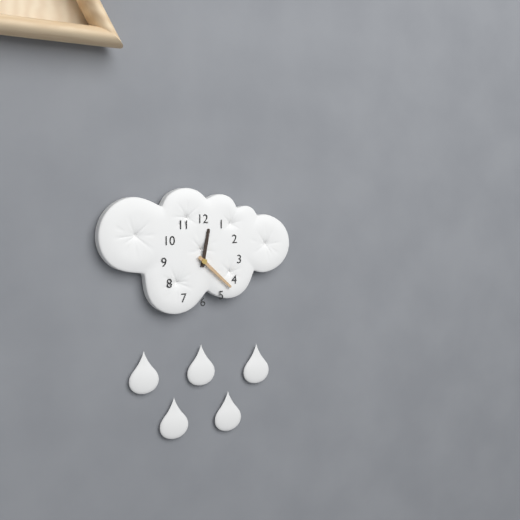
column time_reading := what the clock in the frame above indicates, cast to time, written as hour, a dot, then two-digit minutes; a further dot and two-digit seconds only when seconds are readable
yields 12.22
